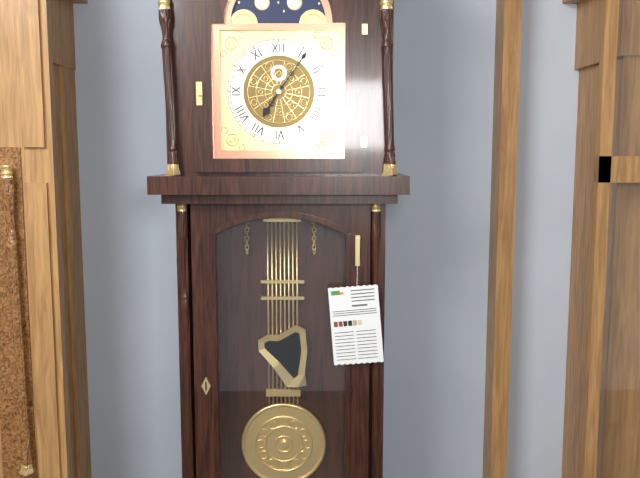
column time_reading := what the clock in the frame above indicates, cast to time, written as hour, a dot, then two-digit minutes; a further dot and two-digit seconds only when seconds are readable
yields 7.06
